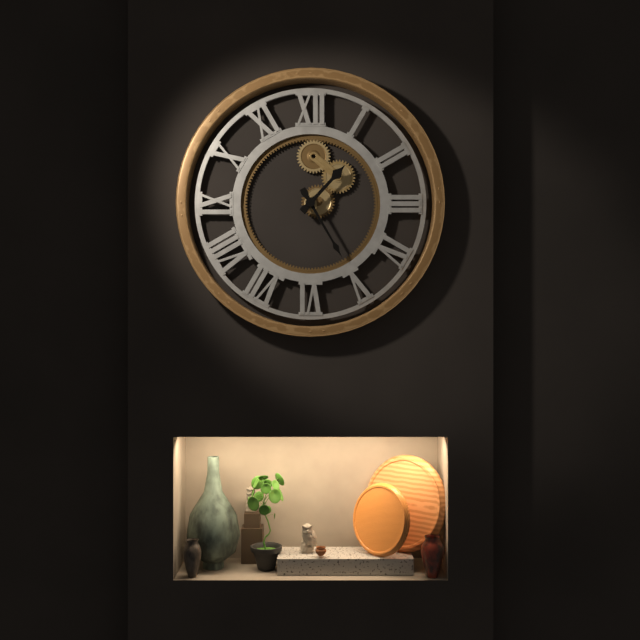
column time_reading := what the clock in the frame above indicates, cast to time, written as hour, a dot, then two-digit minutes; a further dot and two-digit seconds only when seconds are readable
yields 1.25
